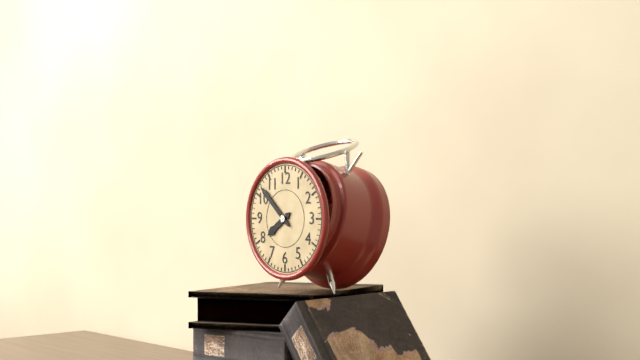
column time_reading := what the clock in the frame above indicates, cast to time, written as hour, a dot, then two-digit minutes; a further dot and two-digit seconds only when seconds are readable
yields 7.52
